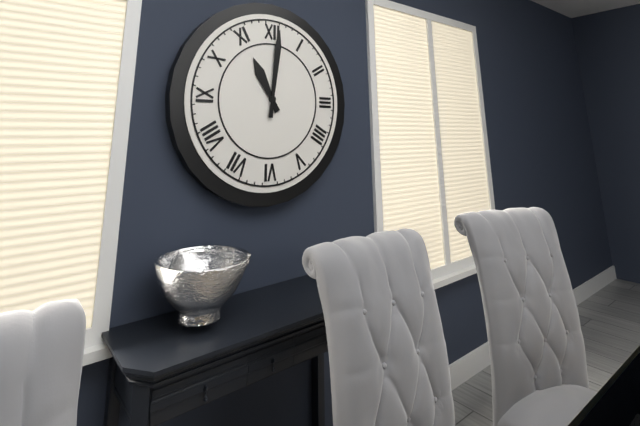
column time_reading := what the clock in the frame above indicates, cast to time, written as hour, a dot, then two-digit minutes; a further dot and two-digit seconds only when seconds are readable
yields 11.01
